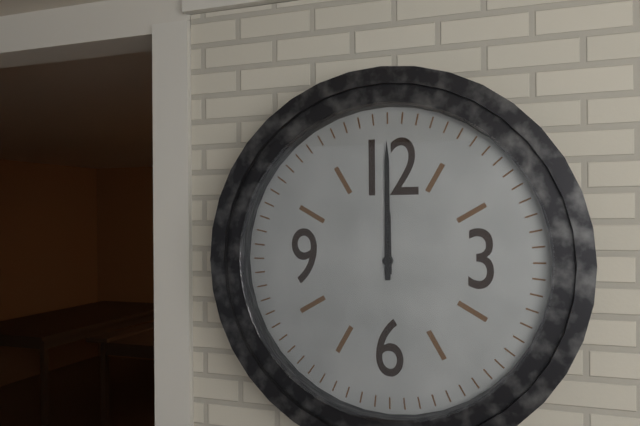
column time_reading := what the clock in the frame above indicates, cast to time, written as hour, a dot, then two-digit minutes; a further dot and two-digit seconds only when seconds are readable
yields 12.00
